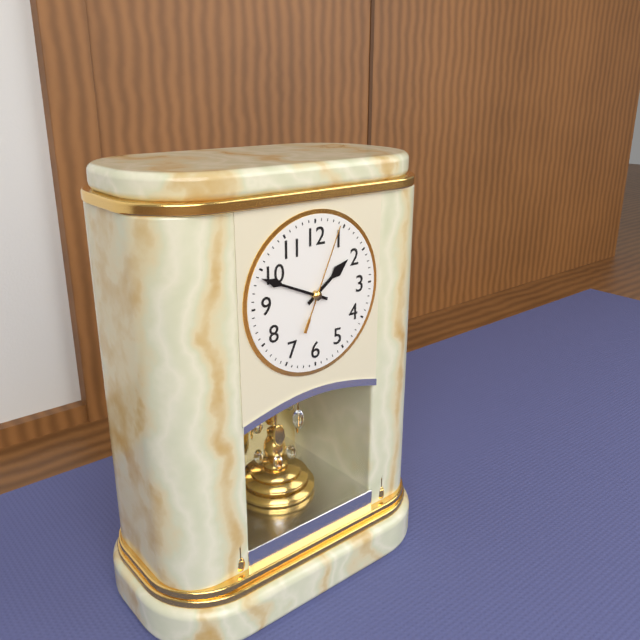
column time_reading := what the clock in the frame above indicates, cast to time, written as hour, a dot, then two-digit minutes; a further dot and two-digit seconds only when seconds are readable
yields 1.49.04
